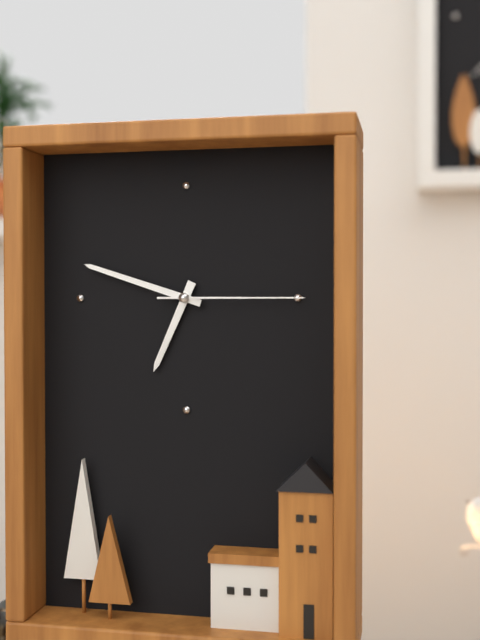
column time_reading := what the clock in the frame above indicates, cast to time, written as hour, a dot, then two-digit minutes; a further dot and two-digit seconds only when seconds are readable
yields 6.48.15
